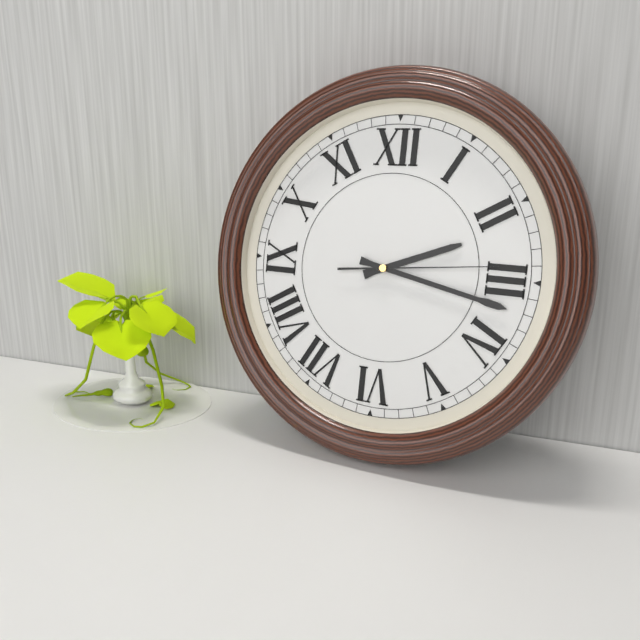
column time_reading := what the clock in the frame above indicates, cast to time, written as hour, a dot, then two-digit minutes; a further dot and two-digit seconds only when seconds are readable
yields 2.17.14
